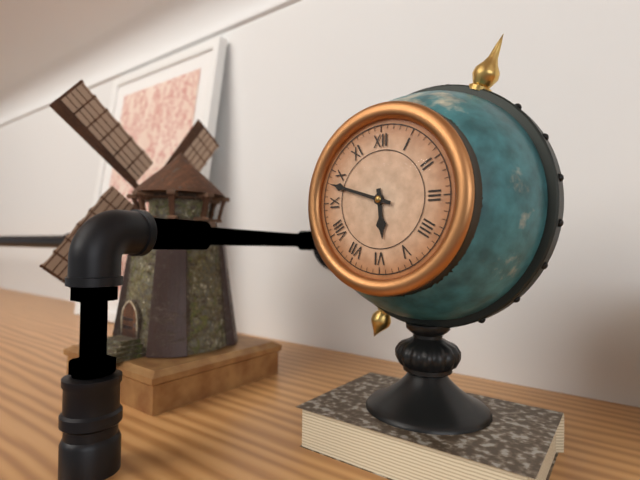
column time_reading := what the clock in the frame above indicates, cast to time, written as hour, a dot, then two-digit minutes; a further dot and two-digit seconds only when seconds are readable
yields 5.48
